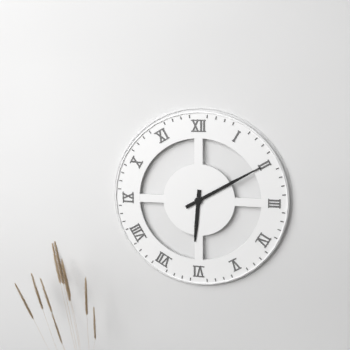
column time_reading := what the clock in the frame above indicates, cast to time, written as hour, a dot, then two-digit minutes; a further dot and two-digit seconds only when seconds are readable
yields 6.10
